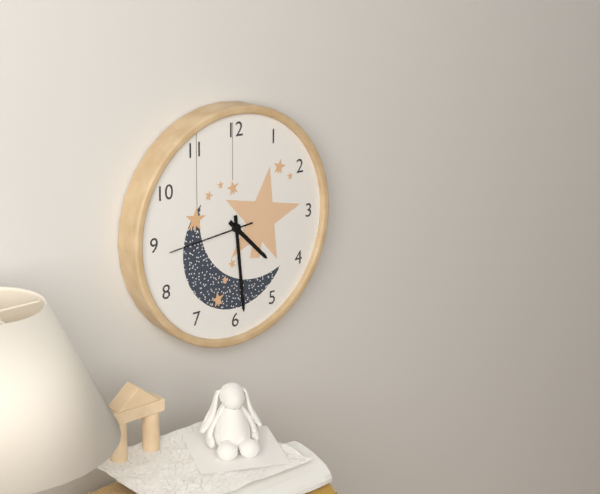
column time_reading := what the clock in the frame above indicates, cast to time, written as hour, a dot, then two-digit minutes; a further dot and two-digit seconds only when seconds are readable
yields 4.29.44
